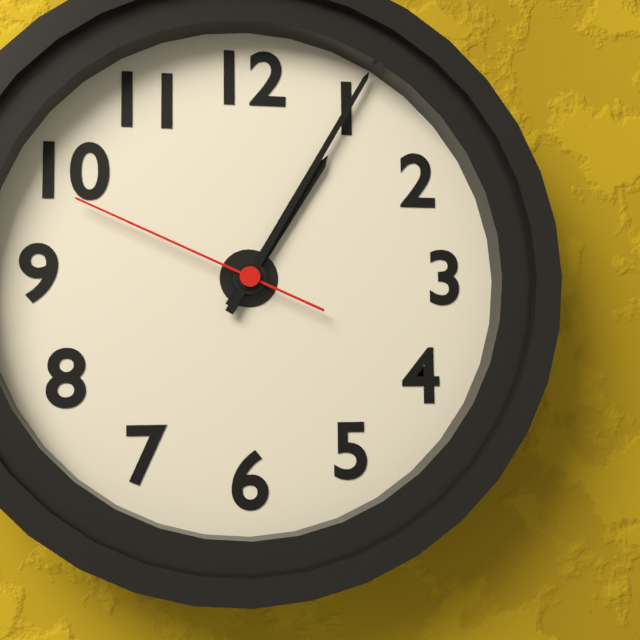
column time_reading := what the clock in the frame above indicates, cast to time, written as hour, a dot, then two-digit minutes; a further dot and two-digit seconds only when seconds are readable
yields 1.05.49
